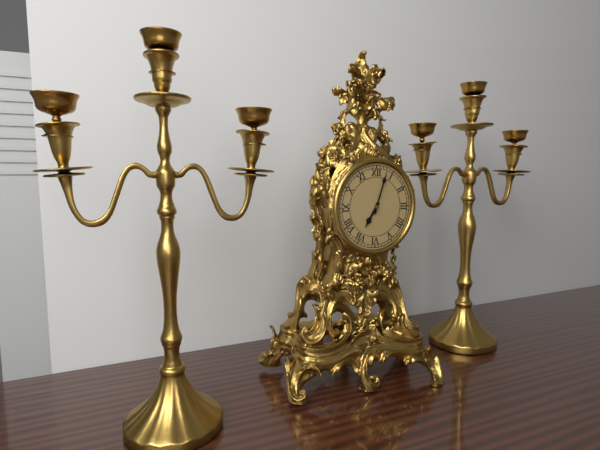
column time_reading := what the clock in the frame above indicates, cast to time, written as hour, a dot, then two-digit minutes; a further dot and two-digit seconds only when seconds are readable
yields 7.03
